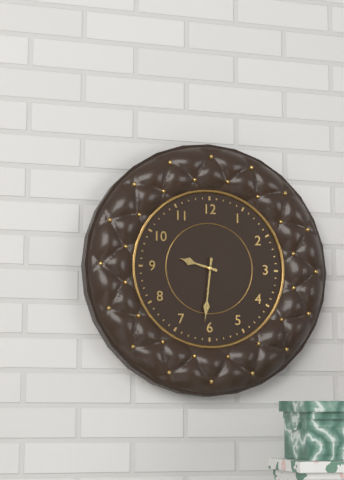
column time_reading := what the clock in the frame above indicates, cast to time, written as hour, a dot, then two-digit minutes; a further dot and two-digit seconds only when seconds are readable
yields 9.31
